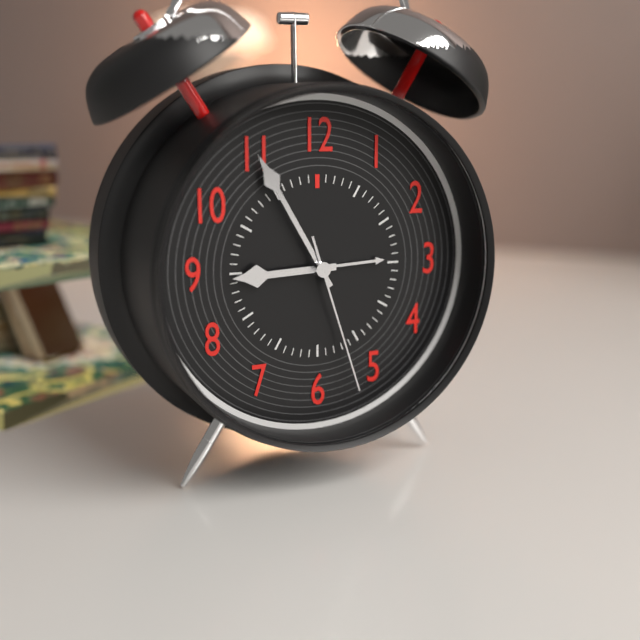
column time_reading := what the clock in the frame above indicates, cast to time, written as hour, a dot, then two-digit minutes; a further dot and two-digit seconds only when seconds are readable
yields 8.55.27
